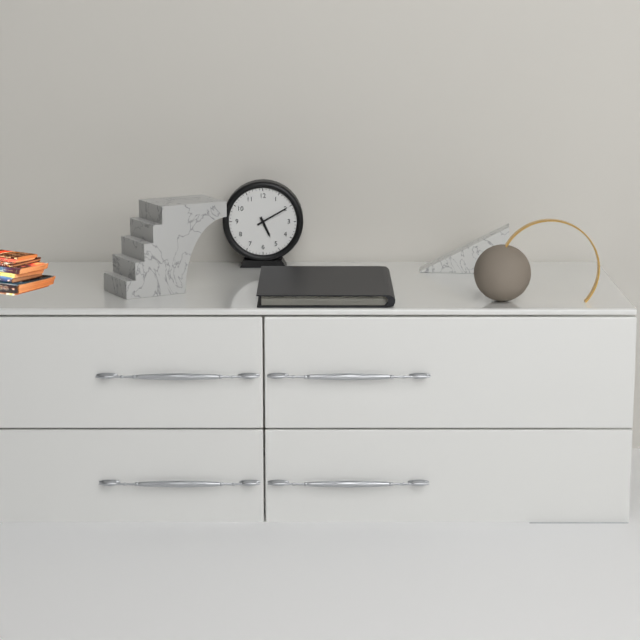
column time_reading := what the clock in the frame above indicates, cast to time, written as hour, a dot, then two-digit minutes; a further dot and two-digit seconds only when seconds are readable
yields 5.10
